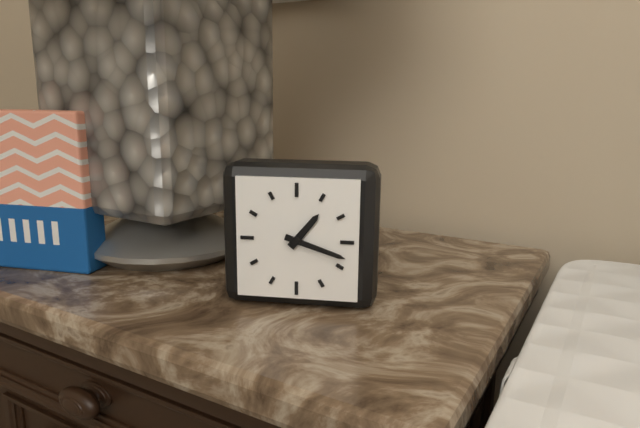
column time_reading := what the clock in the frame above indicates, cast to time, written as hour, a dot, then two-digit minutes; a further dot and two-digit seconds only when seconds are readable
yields 1.18
